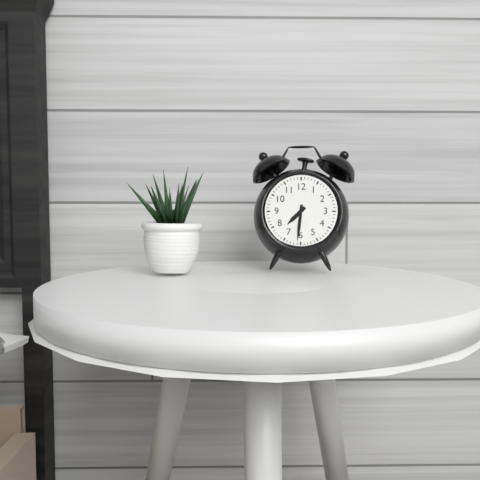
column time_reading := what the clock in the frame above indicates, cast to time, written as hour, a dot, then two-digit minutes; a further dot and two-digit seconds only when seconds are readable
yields 7.31
